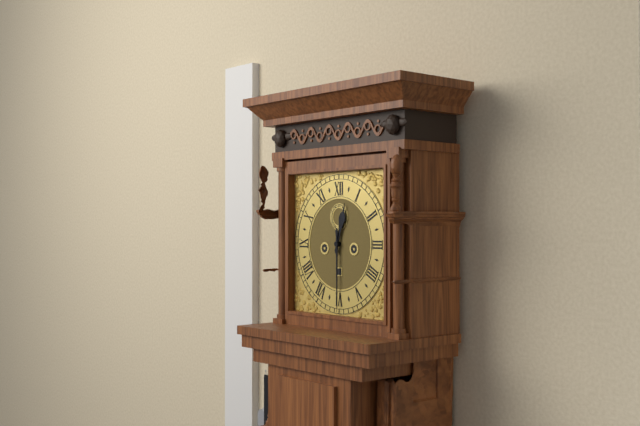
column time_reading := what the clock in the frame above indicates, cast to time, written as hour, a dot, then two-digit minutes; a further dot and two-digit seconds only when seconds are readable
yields 12.30
